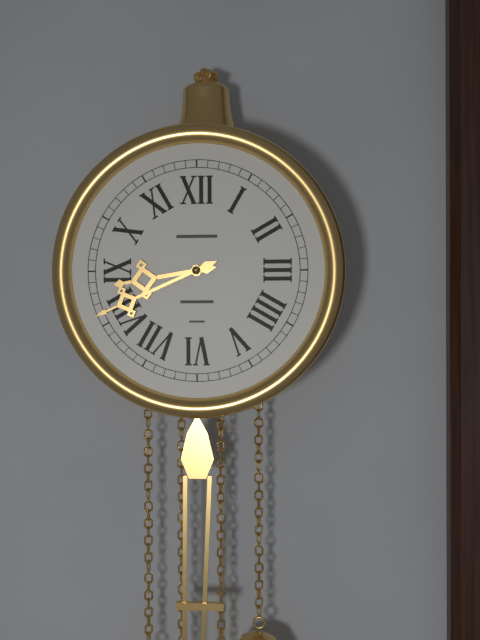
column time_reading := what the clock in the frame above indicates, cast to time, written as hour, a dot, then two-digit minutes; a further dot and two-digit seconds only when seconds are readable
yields 8.41
